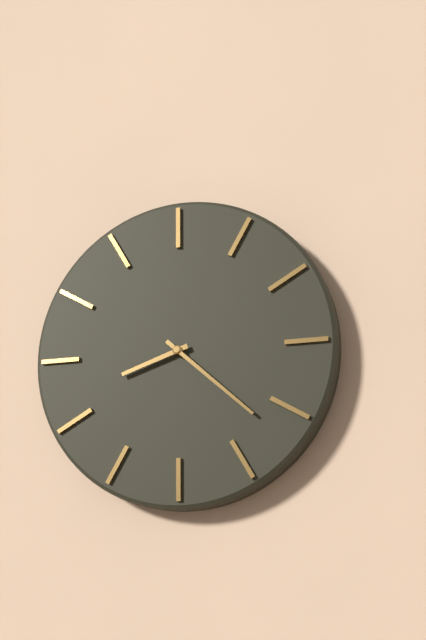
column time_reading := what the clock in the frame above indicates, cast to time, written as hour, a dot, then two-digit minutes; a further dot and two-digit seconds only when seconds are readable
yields 8.22
